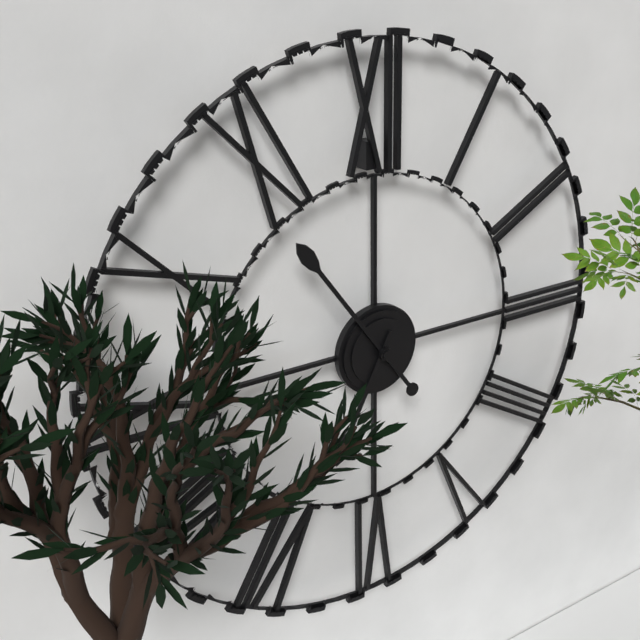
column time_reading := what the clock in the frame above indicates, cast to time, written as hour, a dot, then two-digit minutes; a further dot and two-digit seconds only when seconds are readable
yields 6.54
